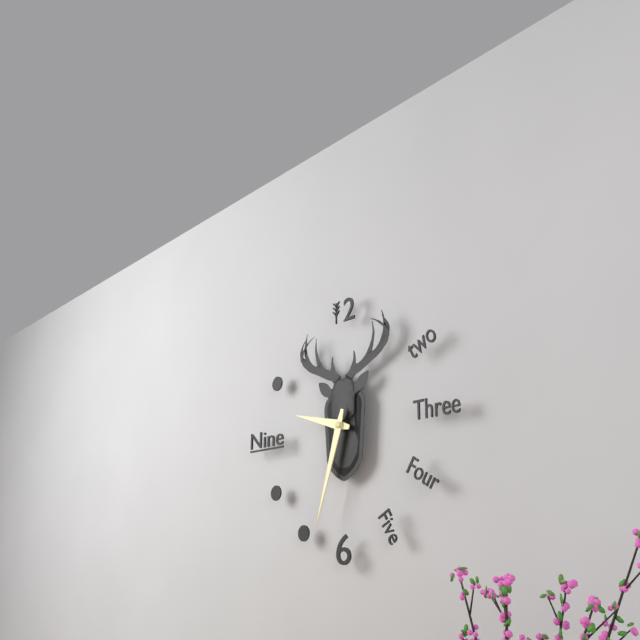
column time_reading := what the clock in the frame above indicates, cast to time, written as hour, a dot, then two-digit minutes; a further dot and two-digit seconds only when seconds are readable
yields 9.33
